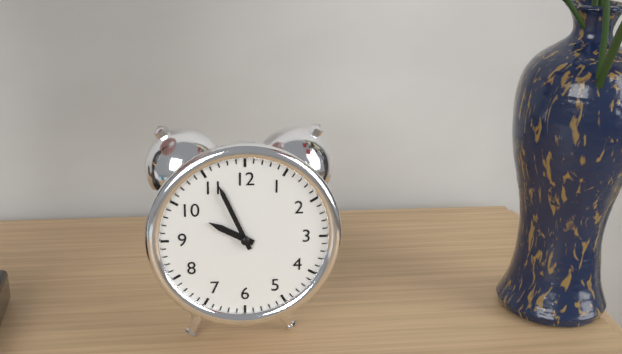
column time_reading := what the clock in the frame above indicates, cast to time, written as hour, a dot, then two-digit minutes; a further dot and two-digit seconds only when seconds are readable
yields 9.56
